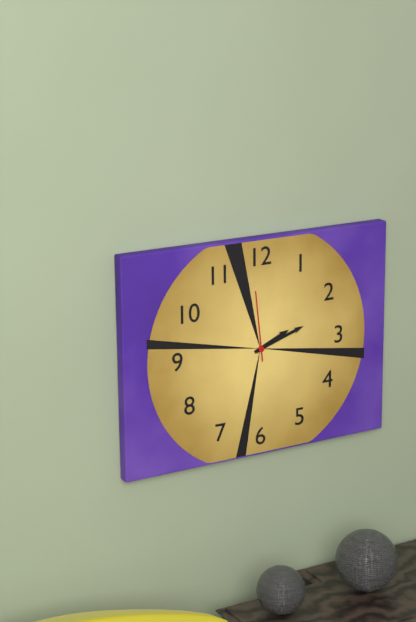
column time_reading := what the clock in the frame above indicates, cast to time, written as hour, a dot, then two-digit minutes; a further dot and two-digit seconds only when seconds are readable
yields 2.12.59
